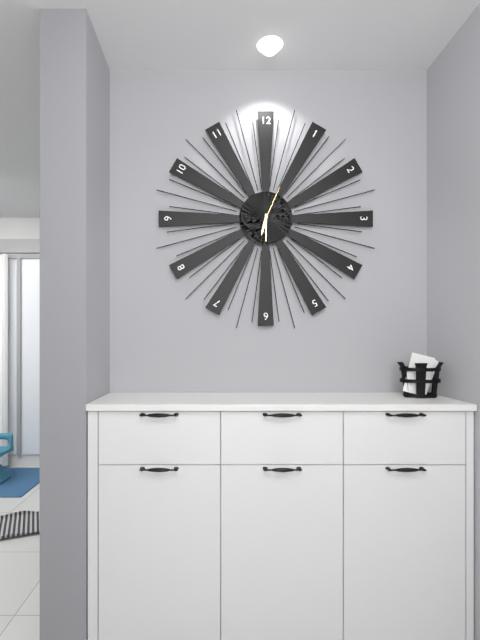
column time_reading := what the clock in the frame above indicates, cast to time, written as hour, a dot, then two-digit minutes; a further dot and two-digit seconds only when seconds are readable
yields 6.30
